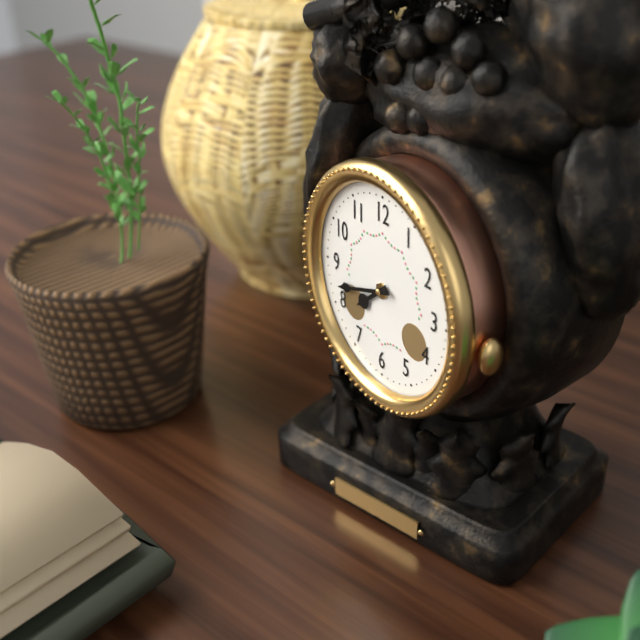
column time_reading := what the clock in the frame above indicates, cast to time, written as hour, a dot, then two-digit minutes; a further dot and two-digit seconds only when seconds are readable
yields 7.42
